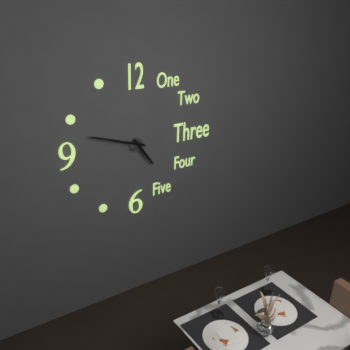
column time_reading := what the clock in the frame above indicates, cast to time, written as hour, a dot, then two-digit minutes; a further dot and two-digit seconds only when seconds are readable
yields 4.48
